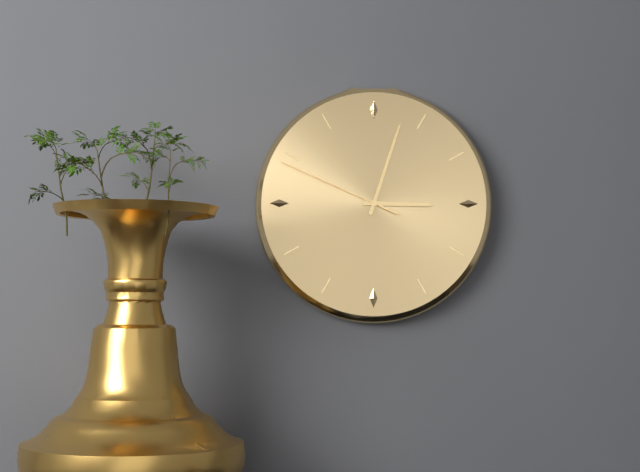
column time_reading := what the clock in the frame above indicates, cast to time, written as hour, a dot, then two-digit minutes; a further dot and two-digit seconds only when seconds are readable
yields 3.03.49
